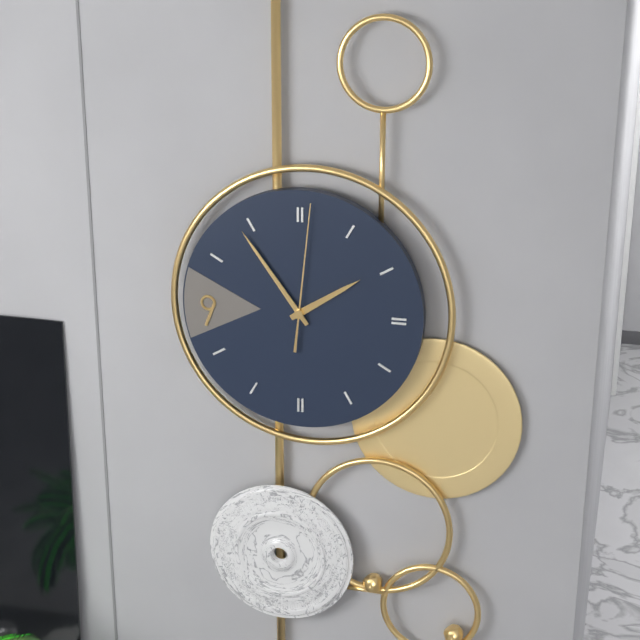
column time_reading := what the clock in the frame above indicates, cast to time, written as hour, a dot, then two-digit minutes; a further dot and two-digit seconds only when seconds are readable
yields 1.54.01
